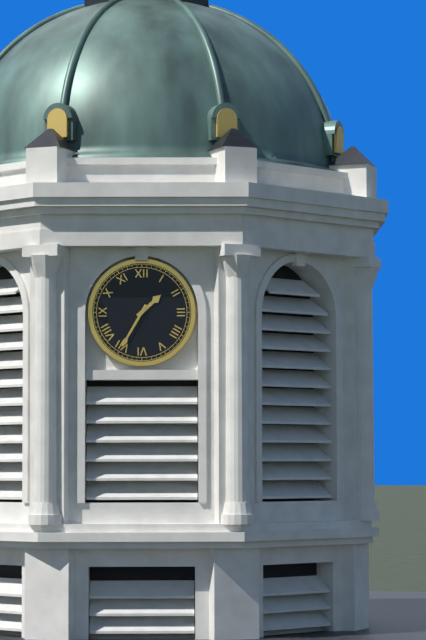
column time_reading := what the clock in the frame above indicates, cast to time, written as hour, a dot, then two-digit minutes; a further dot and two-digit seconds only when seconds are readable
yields 1.35
